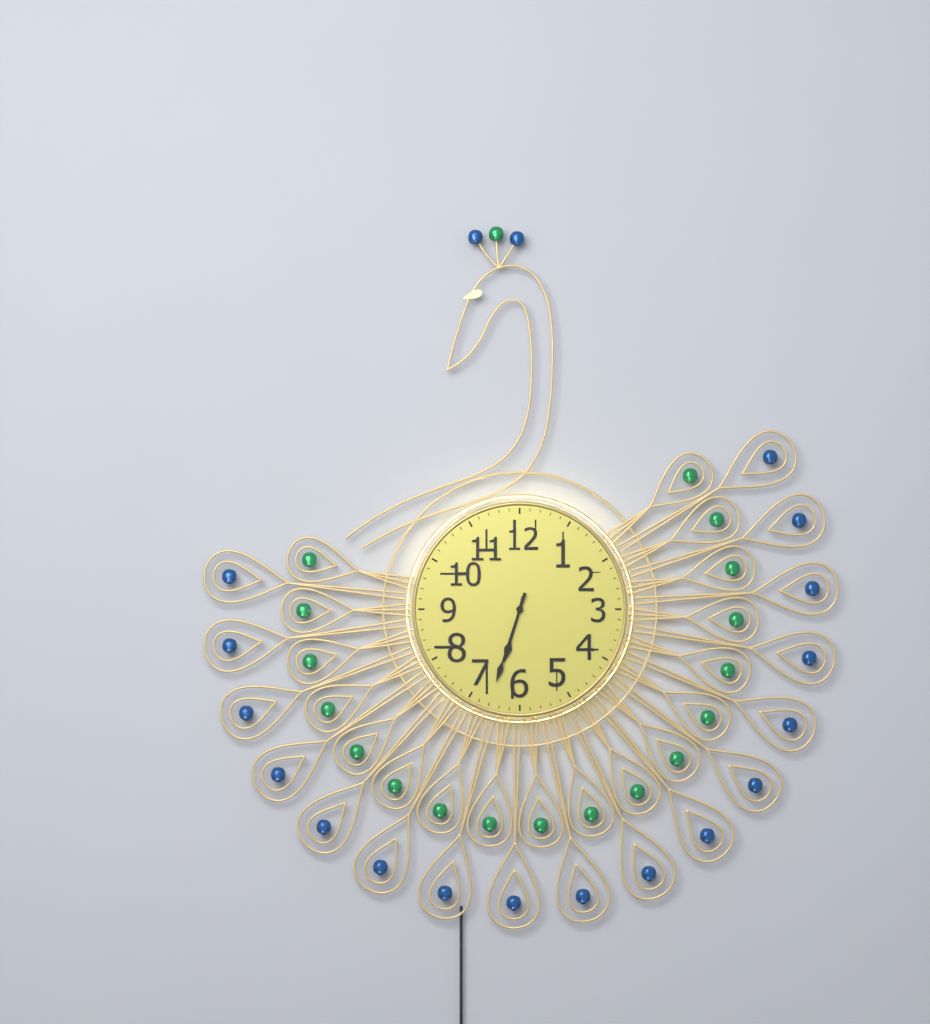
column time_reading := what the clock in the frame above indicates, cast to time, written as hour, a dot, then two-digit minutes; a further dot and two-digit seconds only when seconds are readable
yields 6.33
